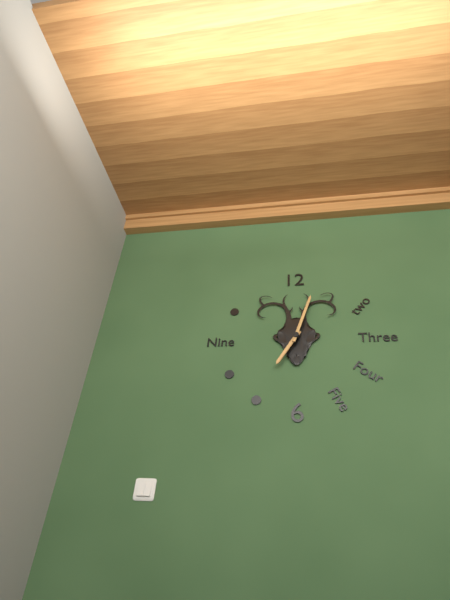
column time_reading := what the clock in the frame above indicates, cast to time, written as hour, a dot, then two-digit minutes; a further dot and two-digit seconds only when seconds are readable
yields 7.03
